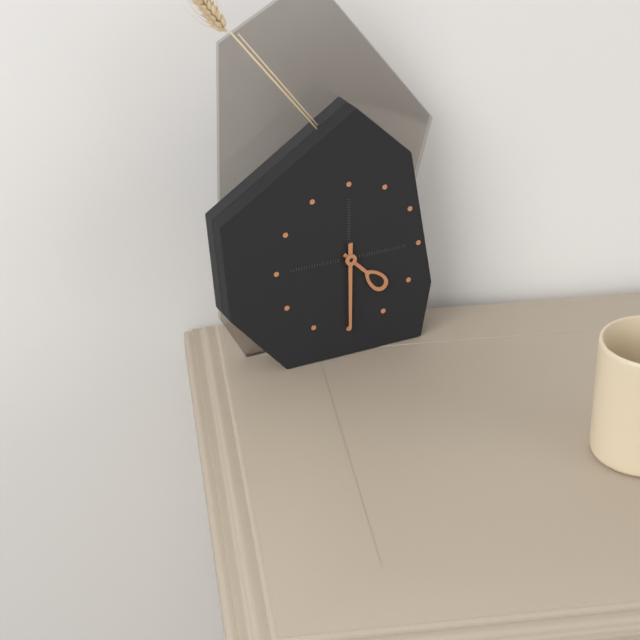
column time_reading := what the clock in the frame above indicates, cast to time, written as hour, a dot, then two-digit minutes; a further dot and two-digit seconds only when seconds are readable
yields 4.30
